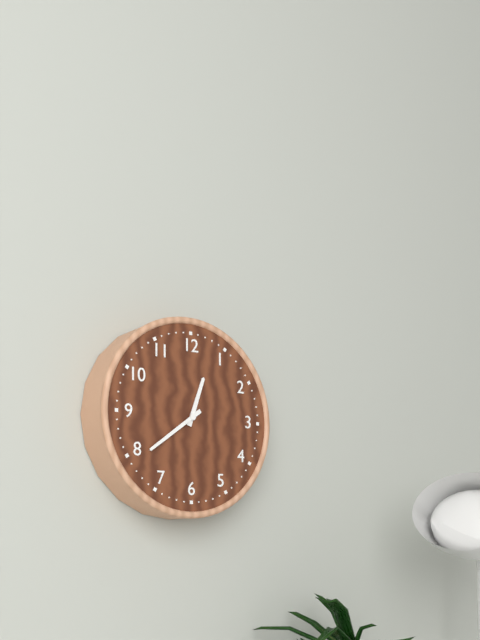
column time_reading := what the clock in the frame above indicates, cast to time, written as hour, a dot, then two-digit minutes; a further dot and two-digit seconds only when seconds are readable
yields 12.39
